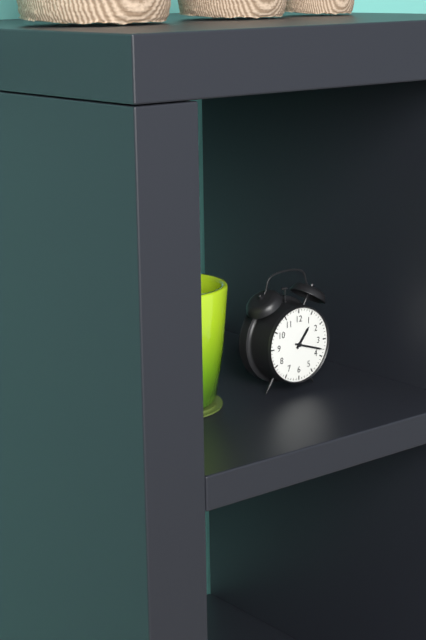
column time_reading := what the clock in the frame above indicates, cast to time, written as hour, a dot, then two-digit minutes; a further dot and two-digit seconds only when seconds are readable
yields 1.18
